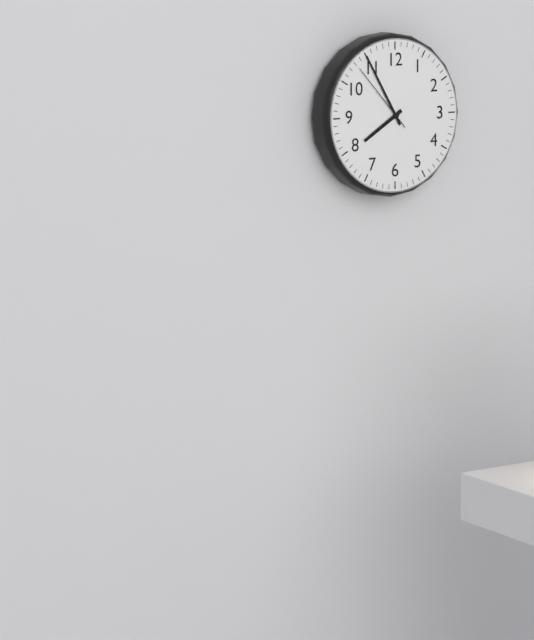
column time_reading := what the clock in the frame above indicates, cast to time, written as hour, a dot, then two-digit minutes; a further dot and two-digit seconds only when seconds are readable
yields 7.55.53
